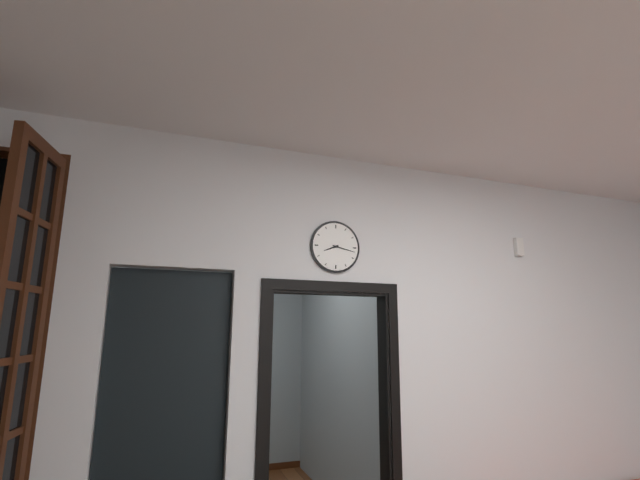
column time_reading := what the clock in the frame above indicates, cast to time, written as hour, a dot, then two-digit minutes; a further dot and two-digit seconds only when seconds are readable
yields 8.17
